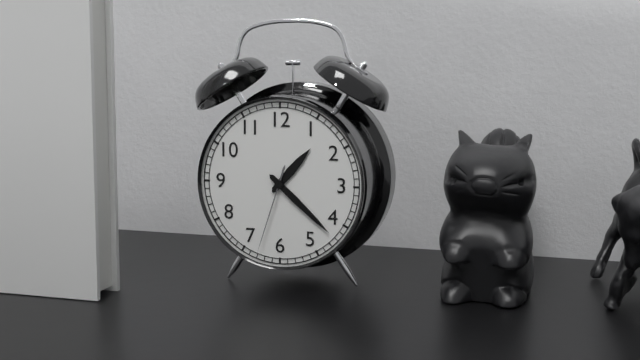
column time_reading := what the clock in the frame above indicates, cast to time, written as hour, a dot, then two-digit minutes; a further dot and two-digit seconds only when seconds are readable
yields 1.22.33
